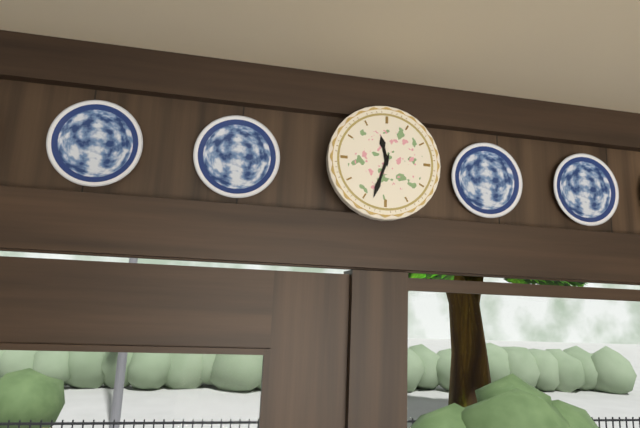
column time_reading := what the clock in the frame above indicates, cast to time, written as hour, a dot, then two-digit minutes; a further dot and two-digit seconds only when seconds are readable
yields 11.33
